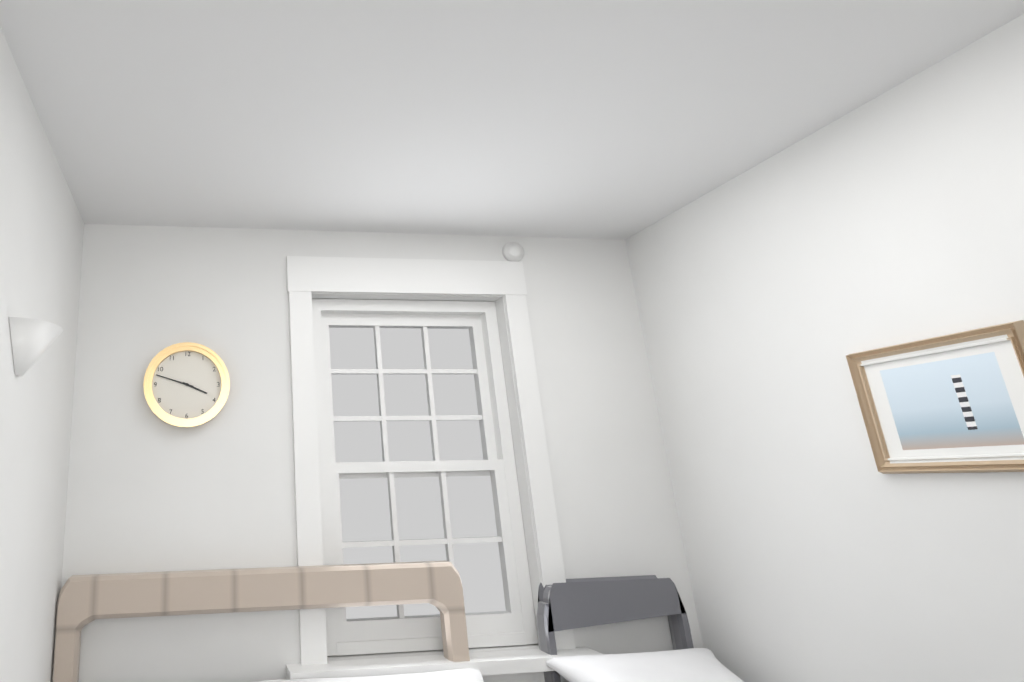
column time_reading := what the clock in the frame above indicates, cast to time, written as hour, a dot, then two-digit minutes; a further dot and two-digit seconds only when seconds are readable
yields 3.48
